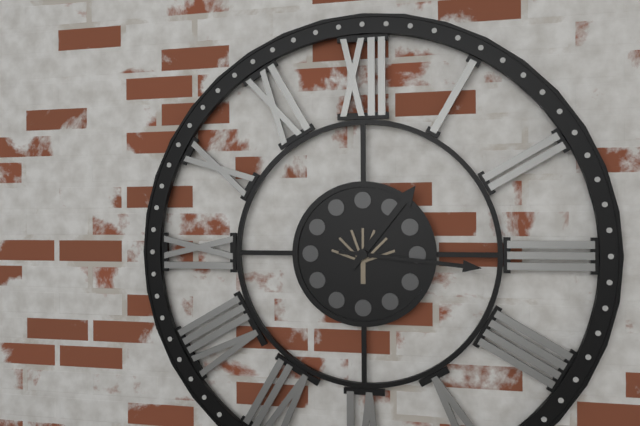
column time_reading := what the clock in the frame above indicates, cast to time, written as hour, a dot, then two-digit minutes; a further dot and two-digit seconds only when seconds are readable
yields 1.16
